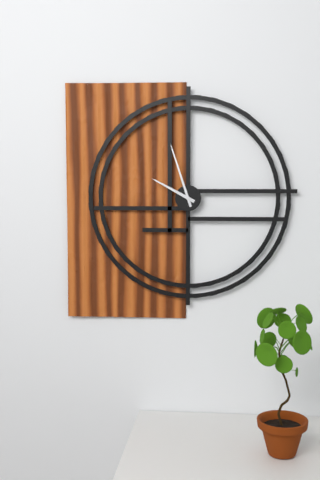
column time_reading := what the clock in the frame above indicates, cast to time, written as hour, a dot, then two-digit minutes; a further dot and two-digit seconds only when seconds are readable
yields 9.57
